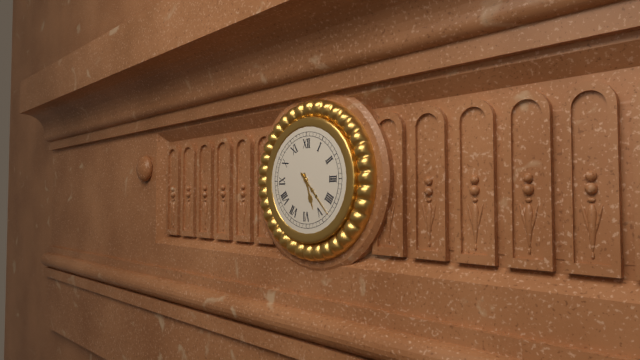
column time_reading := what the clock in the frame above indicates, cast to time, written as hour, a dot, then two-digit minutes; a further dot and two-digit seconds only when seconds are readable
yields 5.23
